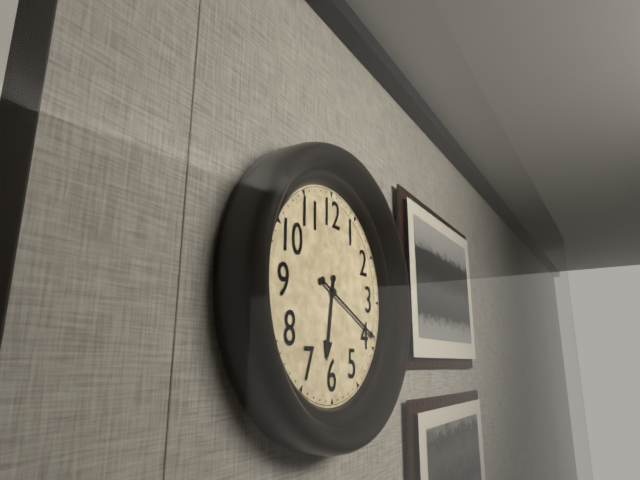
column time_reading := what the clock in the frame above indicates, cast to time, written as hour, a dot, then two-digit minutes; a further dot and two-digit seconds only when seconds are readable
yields 6.19
